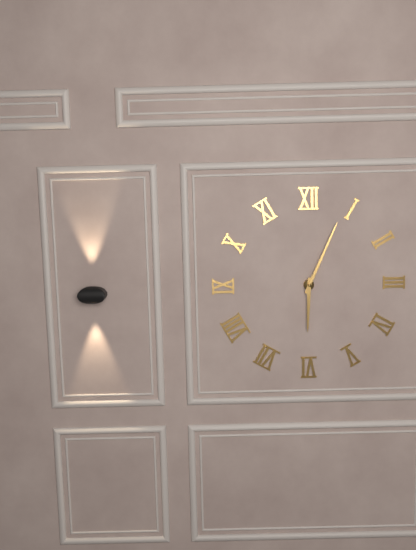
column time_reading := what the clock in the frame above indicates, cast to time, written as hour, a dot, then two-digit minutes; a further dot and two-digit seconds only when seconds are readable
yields 6.04
